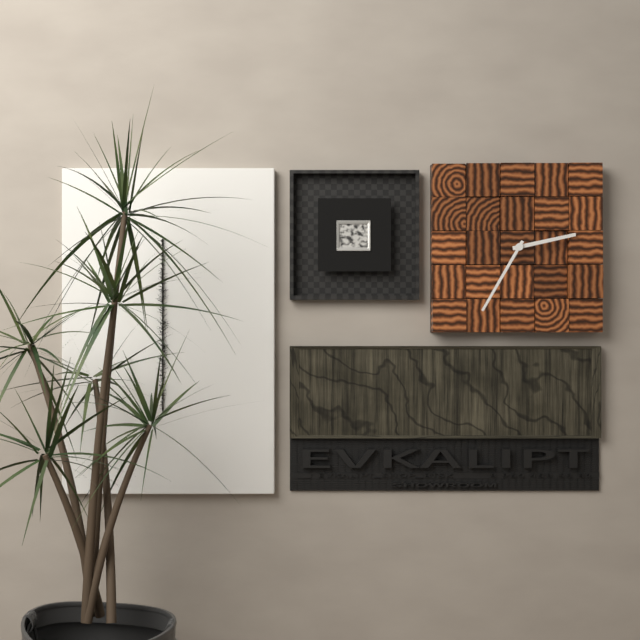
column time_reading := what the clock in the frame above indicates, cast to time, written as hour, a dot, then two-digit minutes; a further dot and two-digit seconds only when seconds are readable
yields 2.35
